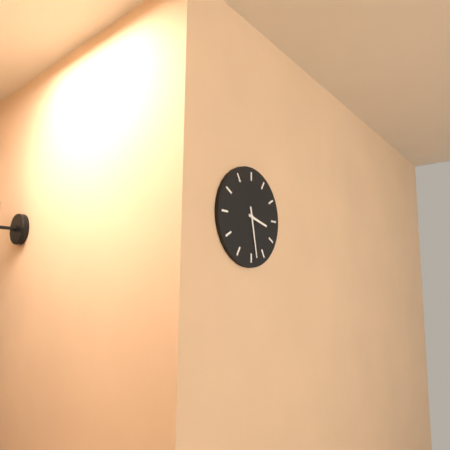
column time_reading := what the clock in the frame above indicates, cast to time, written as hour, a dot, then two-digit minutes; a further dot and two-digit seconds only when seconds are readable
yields 3.28
